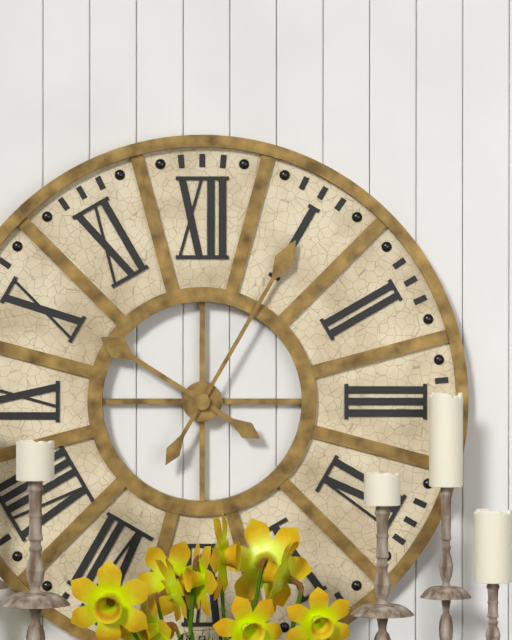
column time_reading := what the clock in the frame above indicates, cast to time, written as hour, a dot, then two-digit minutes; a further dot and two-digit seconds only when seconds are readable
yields 10.05
